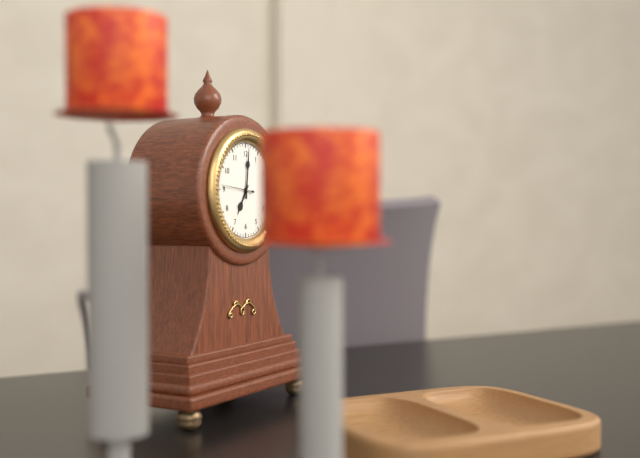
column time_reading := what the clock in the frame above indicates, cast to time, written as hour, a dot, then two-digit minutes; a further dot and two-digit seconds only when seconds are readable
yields 7.01
